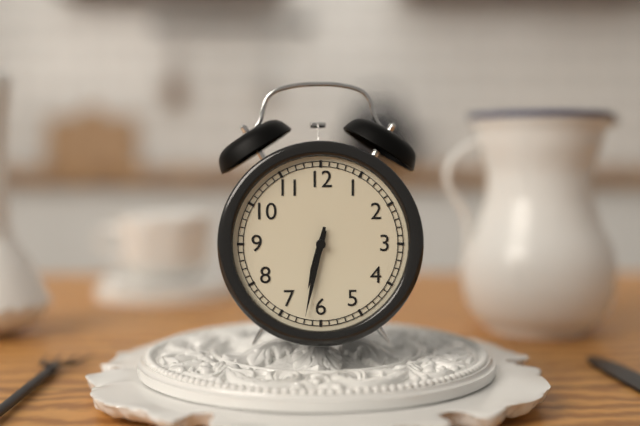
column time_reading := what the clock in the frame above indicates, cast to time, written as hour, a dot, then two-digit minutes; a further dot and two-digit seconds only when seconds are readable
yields 6.32
